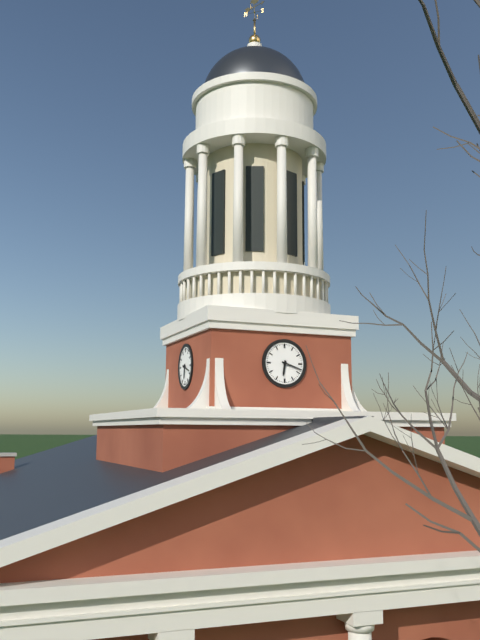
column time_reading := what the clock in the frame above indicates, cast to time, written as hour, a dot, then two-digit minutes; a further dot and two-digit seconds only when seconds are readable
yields 6.18
